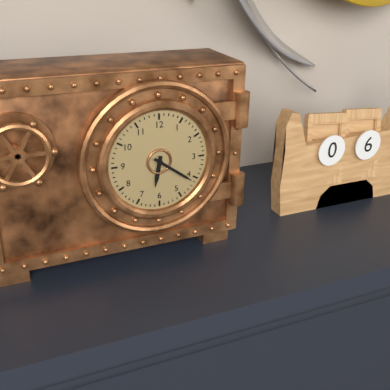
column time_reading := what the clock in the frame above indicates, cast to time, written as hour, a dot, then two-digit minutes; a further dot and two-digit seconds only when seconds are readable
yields 6.21
